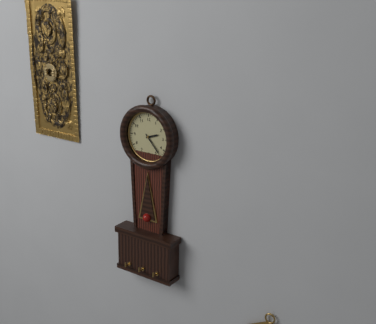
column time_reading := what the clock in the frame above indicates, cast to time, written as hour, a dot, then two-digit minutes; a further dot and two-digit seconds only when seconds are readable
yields 2.23
